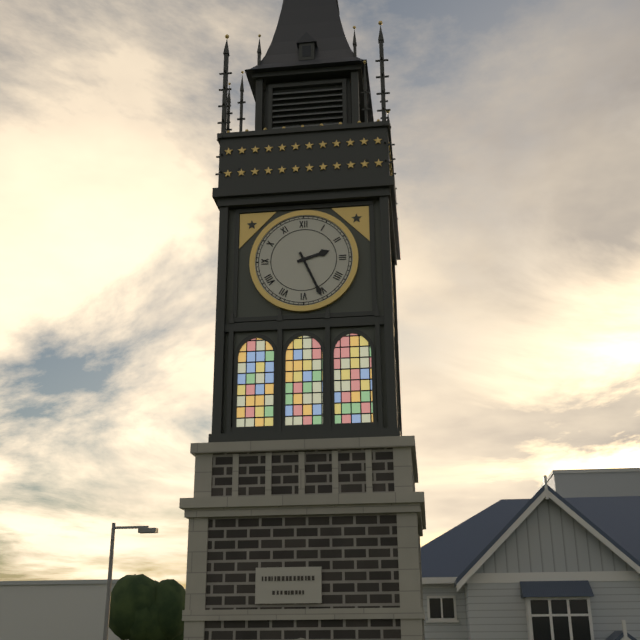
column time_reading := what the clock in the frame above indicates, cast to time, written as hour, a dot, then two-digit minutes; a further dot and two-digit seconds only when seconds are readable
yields 2.26
